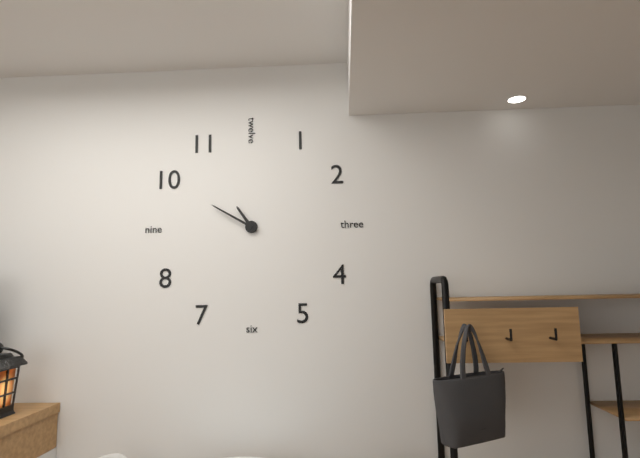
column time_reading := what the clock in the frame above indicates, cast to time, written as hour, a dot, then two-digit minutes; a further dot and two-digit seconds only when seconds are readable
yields 10.50
